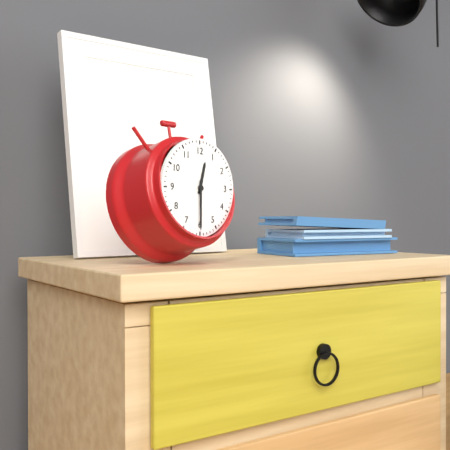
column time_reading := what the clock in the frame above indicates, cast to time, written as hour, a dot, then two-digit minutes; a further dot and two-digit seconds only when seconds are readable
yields 12.30
